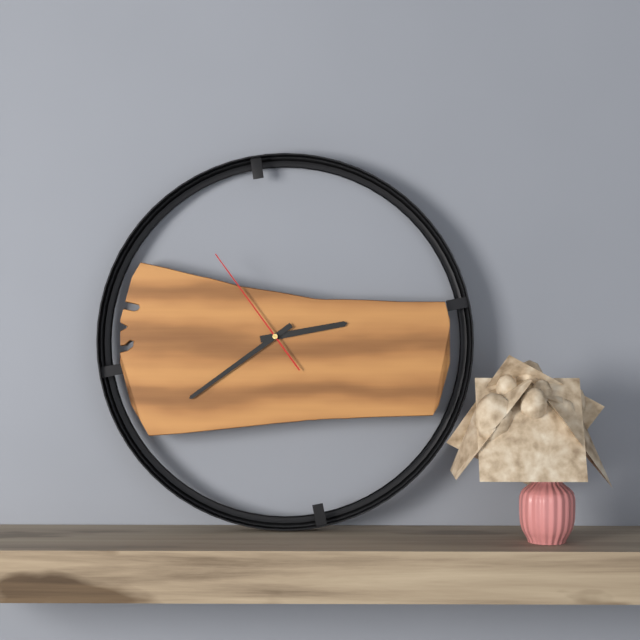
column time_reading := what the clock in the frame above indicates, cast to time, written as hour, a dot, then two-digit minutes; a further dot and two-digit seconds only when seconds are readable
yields 2.39.54
